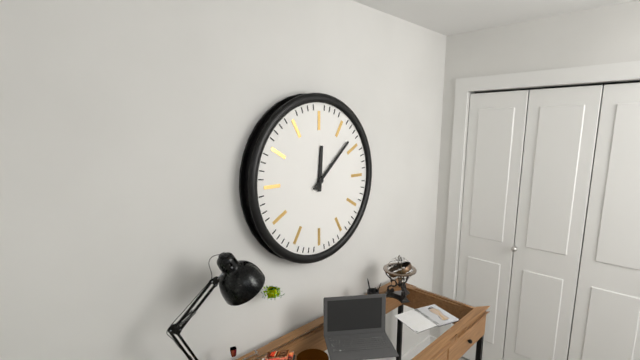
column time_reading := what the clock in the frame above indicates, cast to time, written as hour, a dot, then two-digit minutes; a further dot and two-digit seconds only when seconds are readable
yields 12.08
